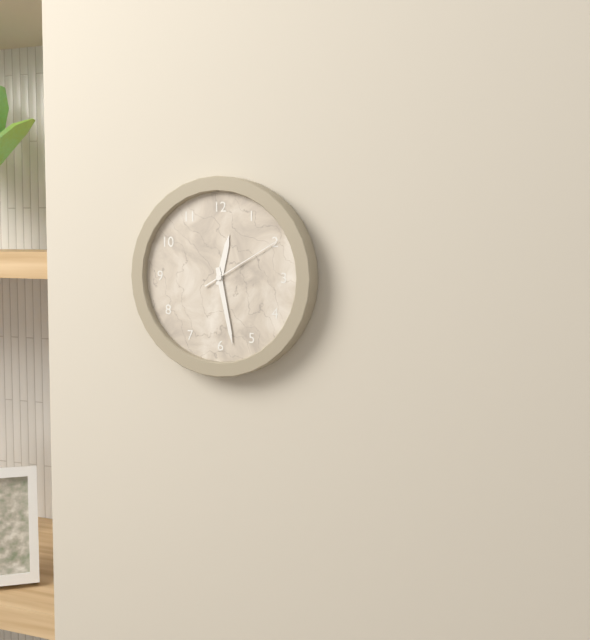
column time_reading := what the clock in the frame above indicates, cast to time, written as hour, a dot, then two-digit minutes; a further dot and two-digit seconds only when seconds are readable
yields 12.28.10
